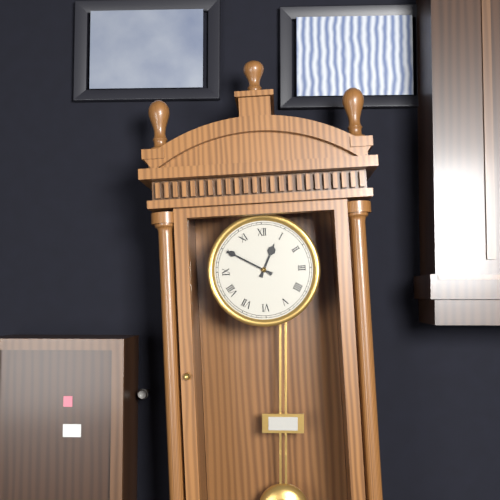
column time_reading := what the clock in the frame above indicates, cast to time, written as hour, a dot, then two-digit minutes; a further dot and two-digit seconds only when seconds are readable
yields 12.50
